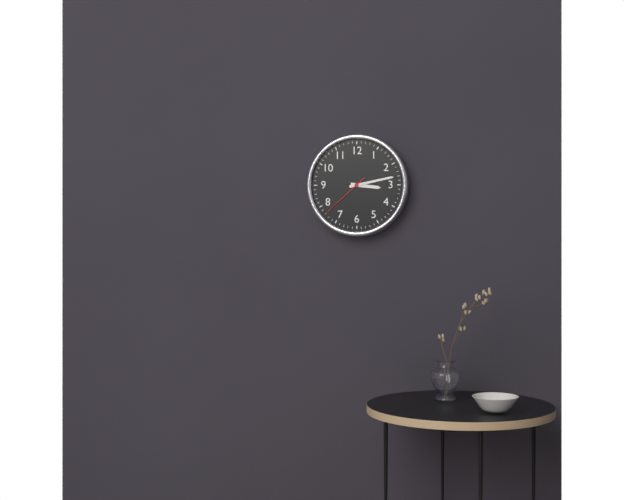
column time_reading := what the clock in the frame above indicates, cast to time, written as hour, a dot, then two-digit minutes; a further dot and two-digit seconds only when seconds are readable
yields 3.13
